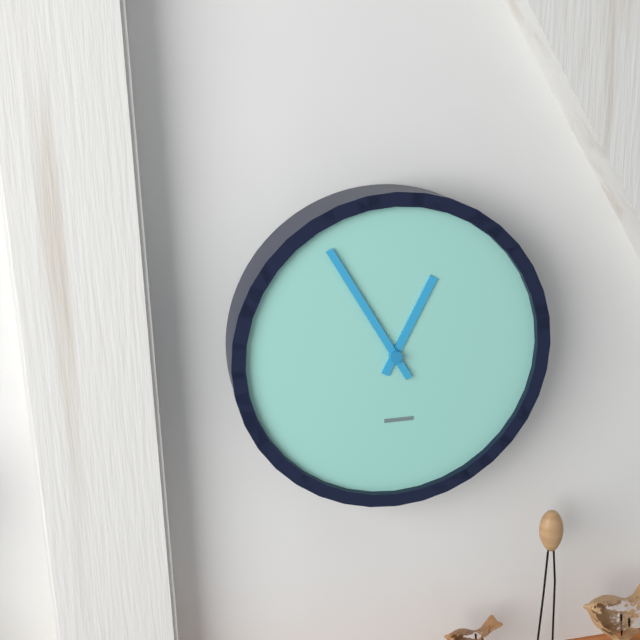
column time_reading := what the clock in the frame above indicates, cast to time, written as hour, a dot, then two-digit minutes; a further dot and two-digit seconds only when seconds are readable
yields 12.55
